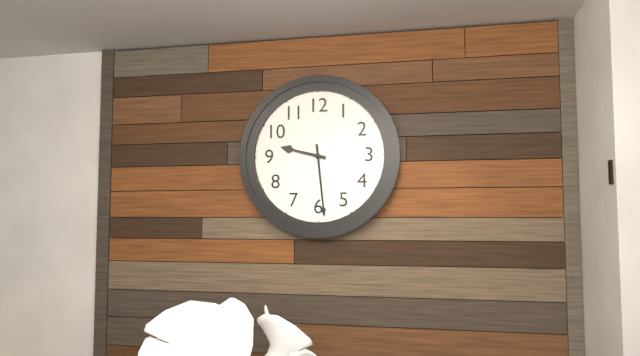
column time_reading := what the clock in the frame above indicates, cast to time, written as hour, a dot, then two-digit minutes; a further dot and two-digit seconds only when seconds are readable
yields 9.29
